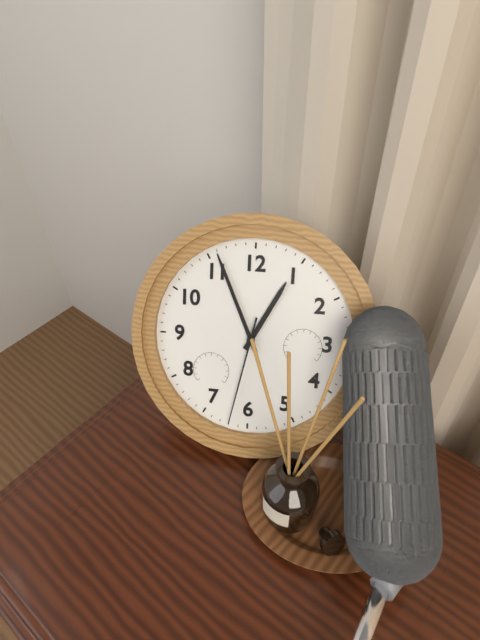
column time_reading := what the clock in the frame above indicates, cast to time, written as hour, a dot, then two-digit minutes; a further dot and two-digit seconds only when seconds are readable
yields 12.56.32
